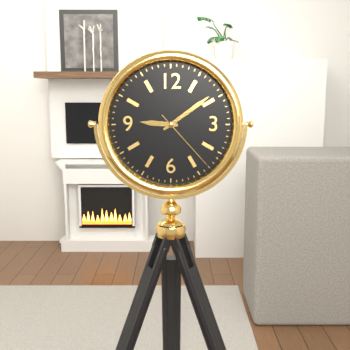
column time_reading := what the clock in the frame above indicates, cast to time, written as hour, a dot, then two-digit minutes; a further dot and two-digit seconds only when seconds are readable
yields 9.09.23
